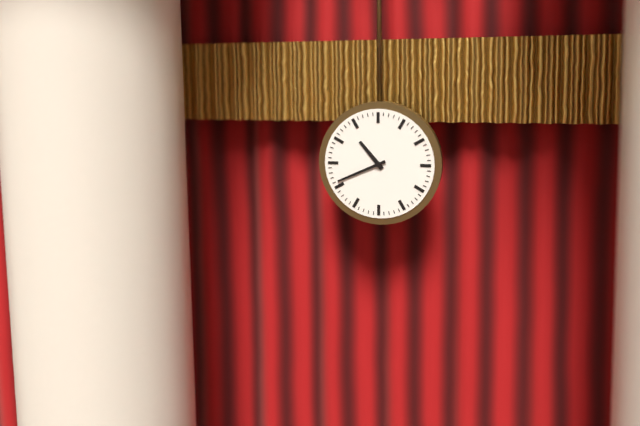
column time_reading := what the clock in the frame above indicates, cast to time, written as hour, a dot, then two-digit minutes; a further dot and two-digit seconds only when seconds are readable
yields 10.41
